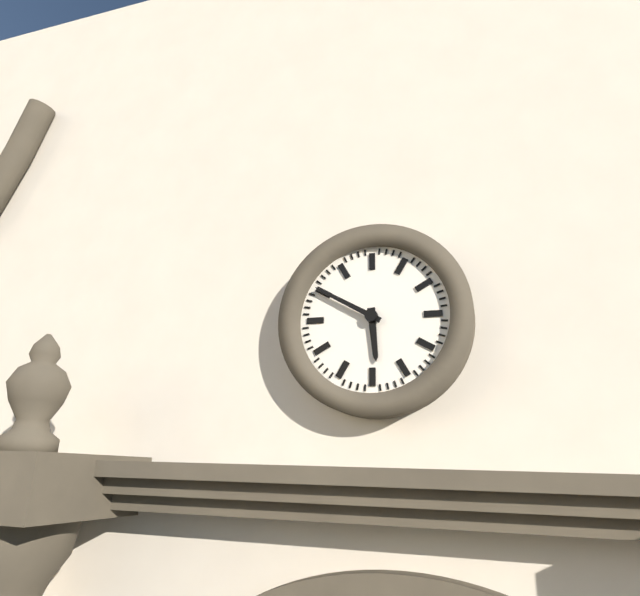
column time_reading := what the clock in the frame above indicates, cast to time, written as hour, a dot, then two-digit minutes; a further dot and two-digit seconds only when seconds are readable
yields 5.50
